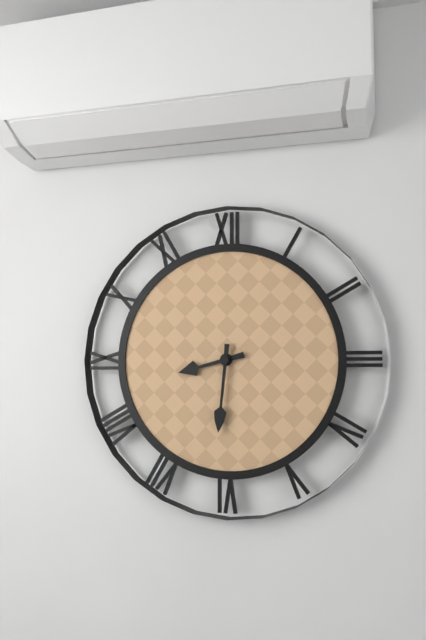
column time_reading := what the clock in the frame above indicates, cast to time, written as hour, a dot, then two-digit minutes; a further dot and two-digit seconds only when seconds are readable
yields 8.31
